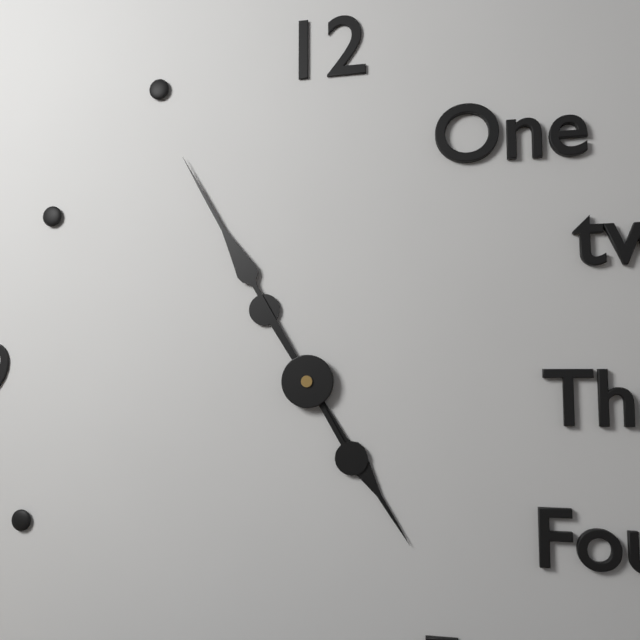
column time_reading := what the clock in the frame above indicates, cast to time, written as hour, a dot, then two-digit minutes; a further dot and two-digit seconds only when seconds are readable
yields 4.55
